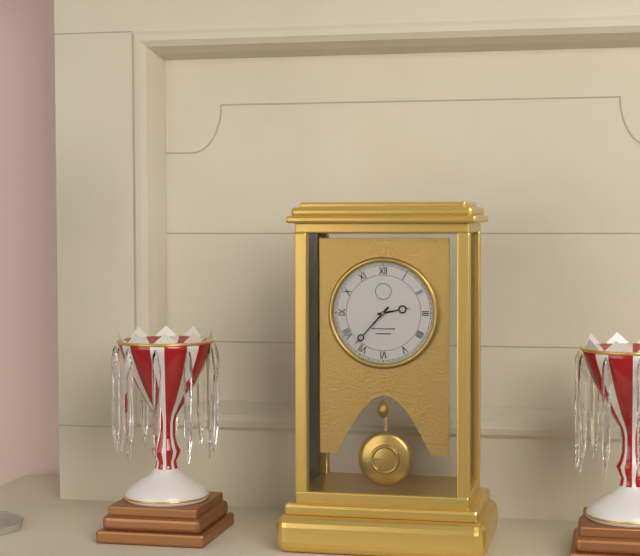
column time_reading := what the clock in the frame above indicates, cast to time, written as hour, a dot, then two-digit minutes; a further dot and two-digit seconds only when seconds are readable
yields 2.37
